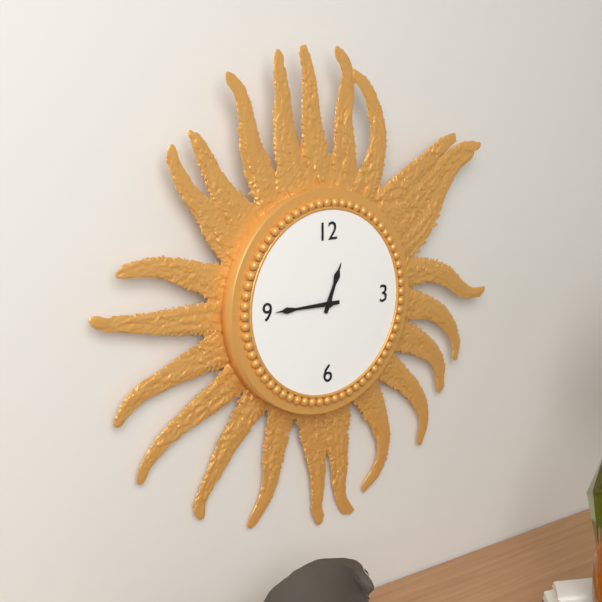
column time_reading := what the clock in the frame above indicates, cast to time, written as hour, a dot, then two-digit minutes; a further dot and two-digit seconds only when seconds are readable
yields 12.45
